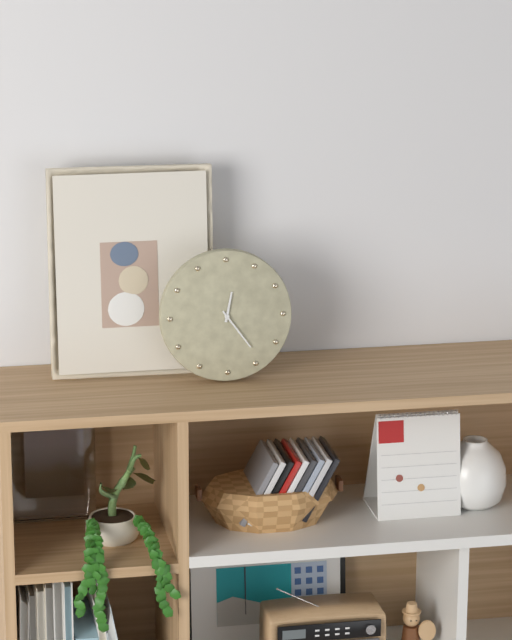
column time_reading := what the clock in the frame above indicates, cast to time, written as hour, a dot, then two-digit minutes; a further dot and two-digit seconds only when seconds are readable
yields 12.24
